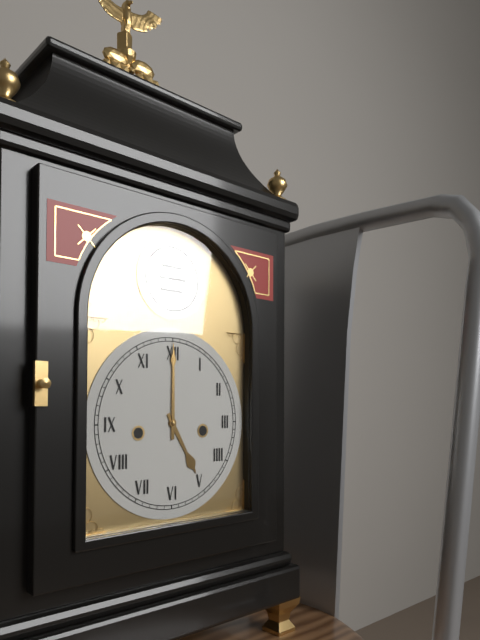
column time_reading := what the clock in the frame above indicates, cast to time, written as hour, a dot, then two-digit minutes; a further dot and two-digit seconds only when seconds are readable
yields 5.00
